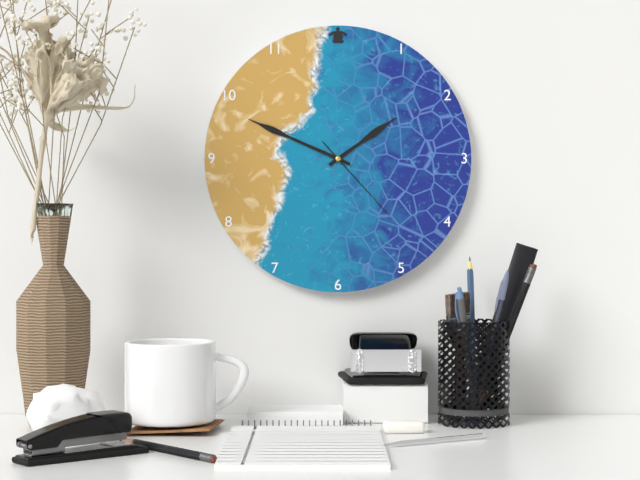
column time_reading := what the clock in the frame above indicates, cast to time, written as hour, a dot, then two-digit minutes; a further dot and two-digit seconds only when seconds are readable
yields 1.49.23
